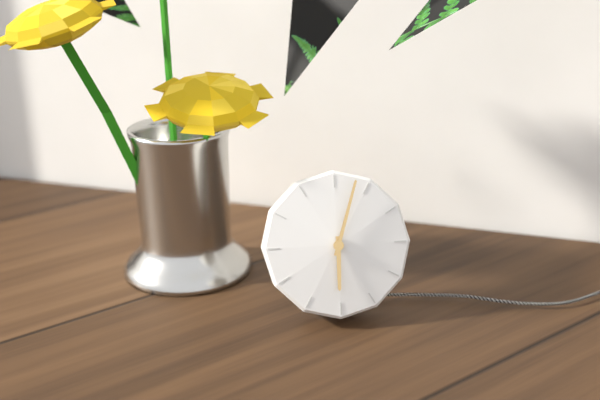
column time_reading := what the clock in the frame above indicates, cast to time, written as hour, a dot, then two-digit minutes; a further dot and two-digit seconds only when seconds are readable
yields 6.03
